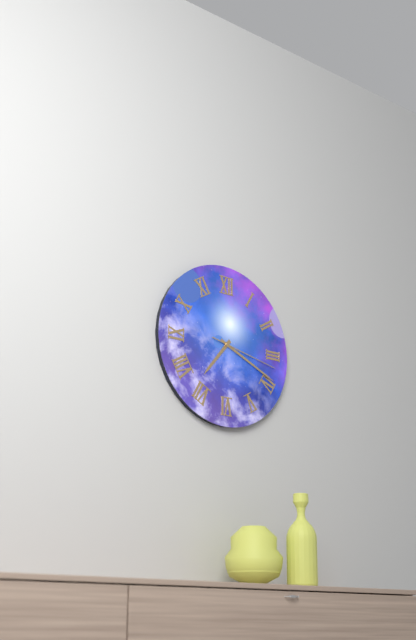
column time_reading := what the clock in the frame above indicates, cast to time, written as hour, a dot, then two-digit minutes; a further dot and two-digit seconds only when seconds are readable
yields 7.19.17
